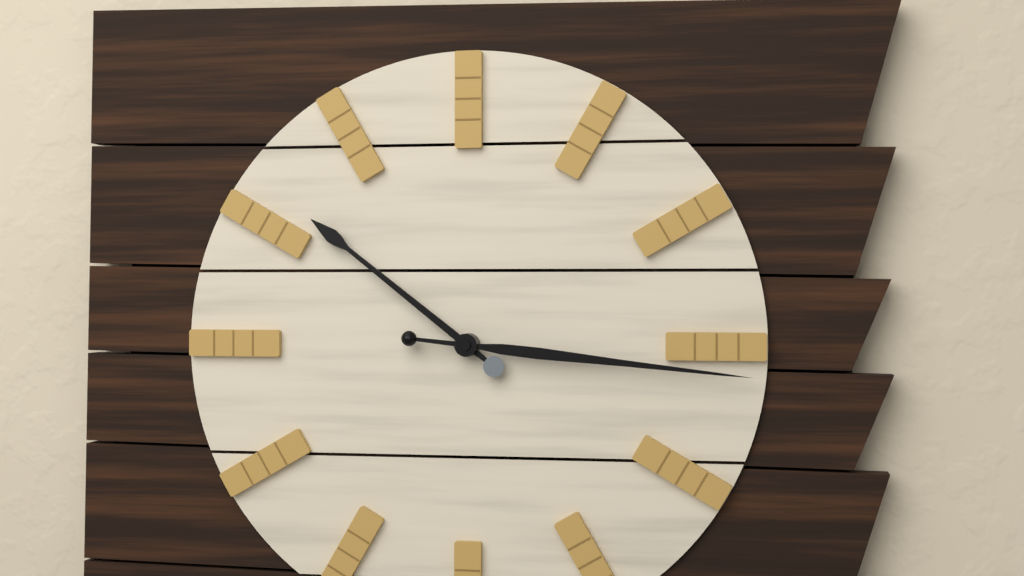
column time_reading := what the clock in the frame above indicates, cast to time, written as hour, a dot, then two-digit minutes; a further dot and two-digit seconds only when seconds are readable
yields 10.16
